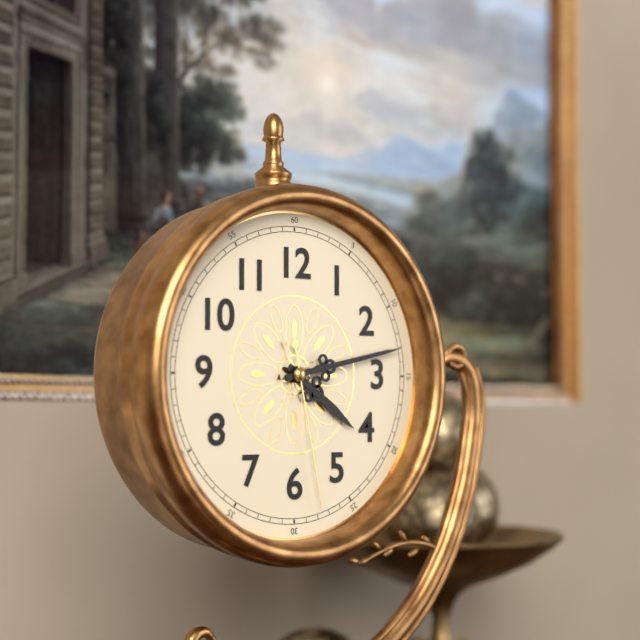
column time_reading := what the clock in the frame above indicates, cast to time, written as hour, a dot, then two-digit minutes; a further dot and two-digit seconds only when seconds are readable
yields 4.13.28
